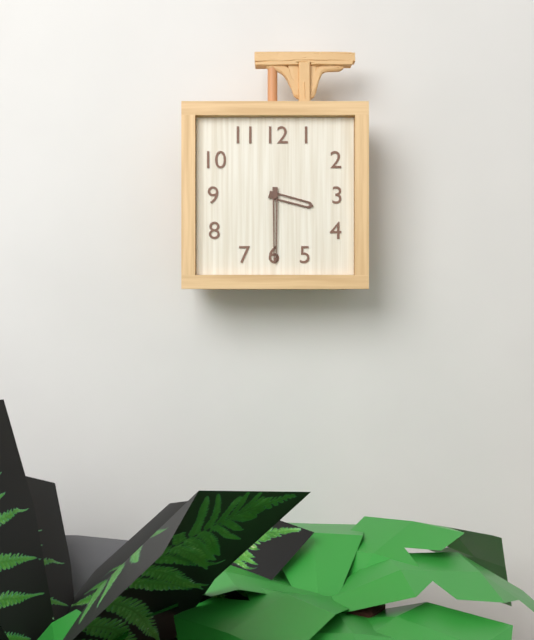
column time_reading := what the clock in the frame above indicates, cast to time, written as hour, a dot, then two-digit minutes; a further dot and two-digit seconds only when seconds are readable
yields 3.30
